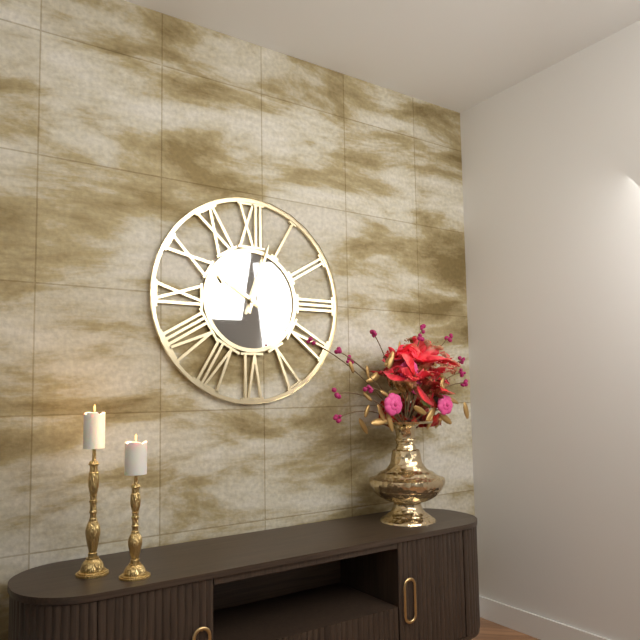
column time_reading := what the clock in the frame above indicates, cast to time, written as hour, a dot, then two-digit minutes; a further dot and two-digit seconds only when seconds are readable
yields 10.03
